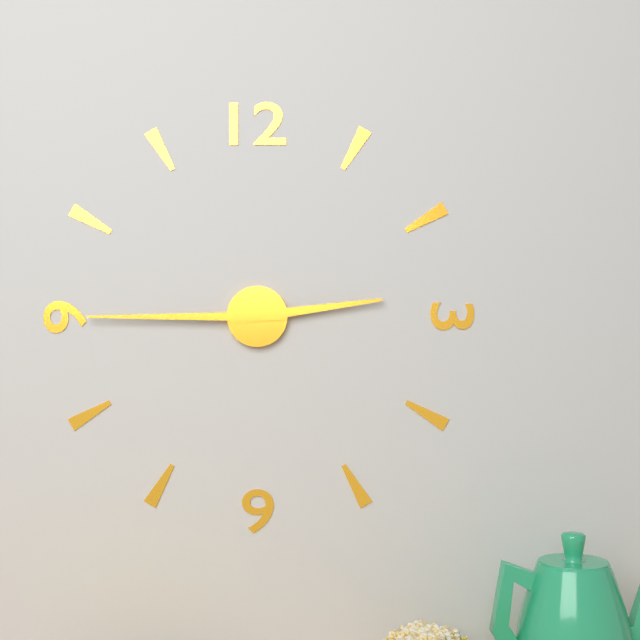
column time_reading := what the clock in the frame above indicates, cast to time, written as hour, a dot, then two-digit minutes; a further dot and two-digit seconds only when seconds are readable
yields 2.45
